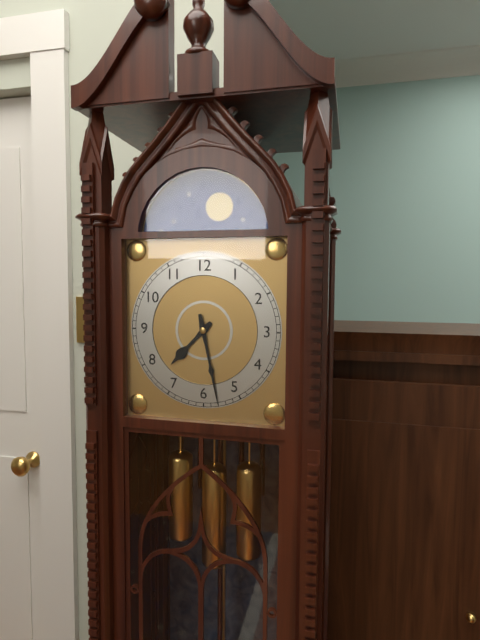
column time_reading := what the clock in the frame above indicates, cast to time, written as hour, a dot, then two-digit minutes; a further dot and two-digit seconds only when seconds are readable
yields 7.28
